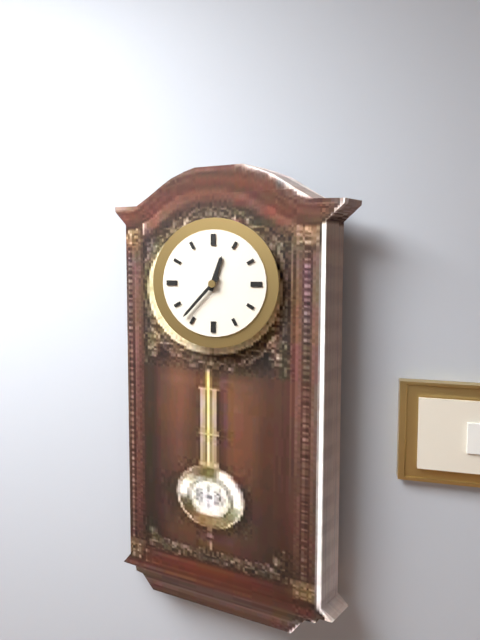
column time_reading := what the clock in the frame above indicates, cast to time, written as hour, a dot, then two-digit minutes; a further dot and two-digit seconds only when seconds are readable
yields 12.37
